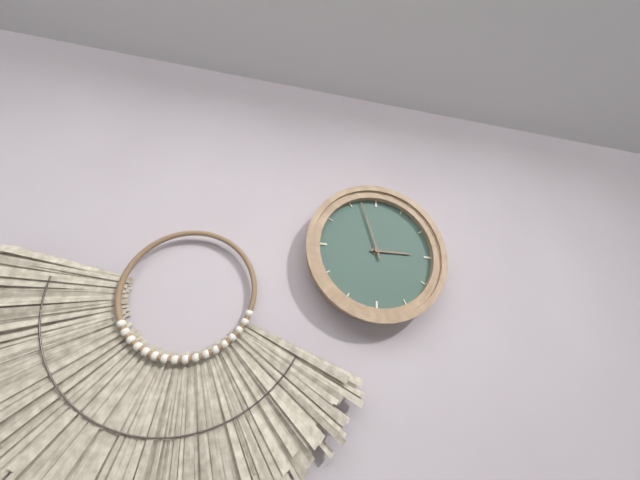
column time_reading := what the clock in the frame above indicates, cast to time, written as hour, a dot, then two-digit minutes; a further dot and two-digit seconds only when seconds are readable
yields 2.57
